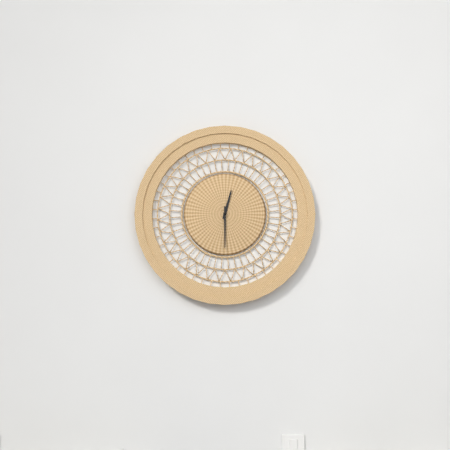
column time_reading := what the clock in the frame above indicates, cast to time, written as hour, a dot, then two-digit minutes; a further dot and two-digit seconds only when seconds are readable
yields 12.30
